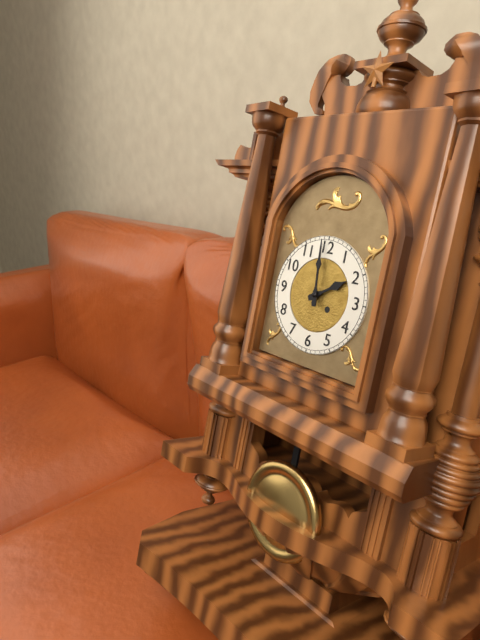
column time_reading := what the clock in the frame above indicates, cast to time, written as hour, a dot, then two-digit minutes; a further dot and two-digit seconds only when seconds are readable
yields 1.59
